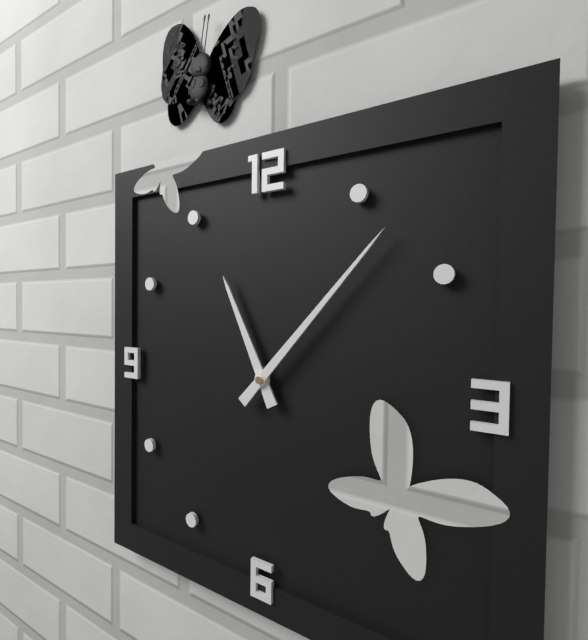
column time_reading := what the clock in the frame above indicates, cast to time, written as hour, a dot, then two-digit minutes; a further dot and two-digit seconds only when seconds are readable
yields 11.07
